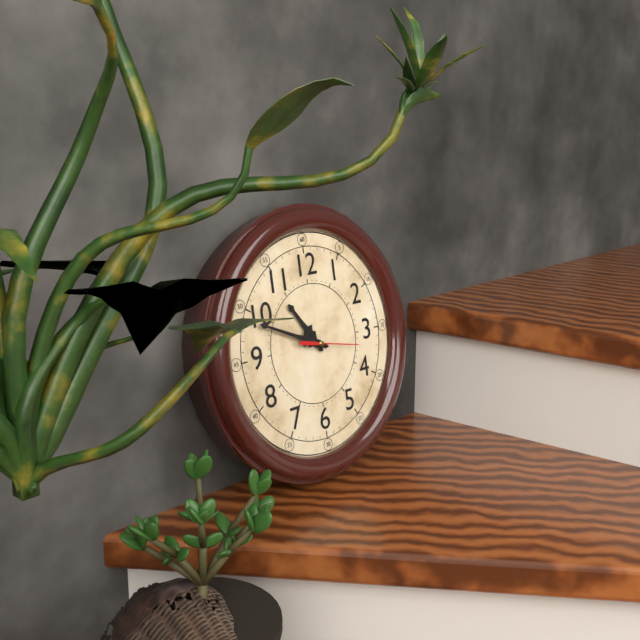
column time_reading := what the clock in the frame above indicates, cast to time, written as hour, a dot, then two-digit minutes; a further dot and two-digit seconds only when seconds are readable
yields 10.49
